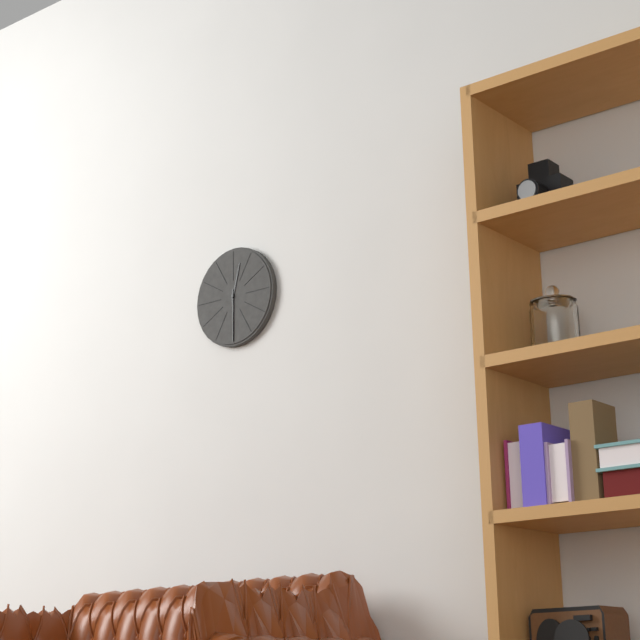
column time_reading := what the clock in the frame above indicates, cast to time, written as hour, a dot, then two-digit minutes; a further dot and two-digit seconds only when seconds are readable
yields 12.30
